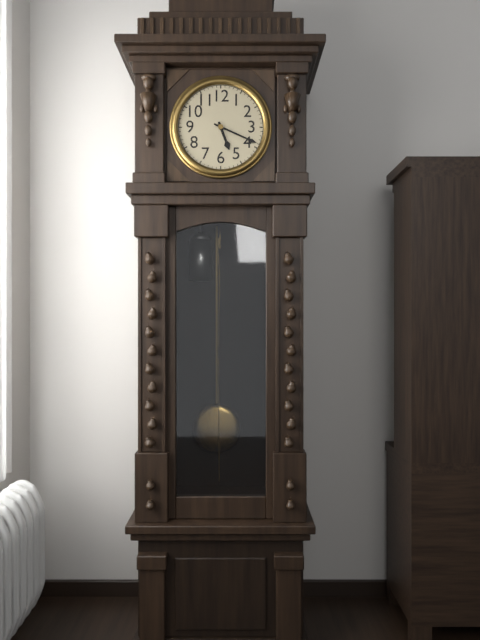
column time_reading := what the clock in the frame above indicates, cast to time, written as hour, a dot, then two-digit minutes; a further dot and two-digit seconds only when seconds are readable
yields 5.19
